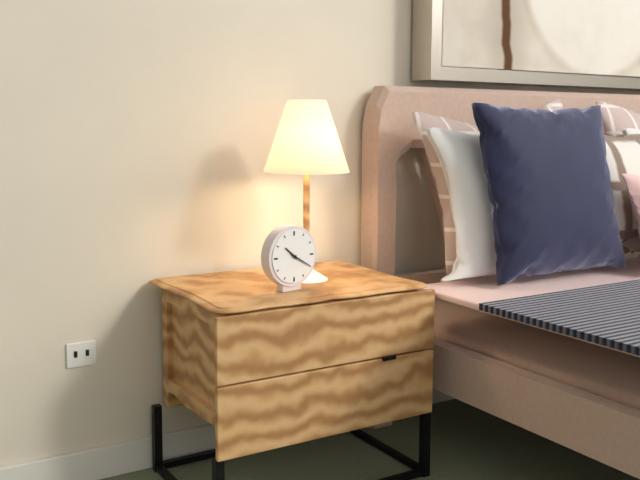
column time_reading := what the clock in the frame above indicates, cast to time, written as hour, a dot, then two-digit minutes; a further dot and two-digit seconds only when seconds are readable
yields 10.20
